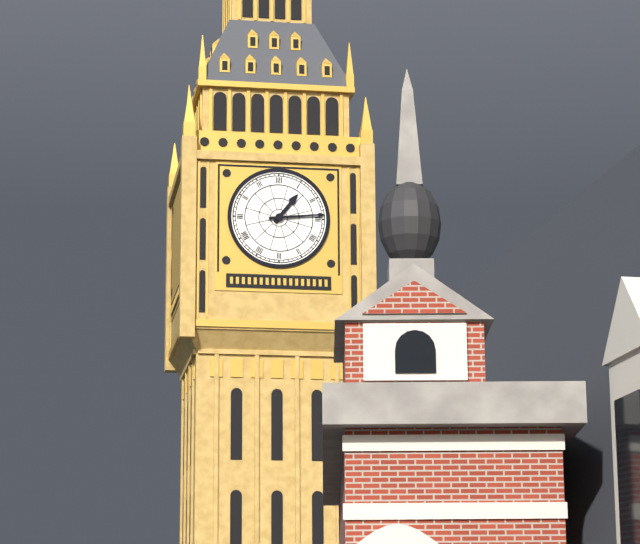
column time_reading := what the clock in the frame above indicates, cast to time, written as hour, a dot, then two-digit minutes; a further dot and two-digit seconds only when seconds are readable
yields 1.14
